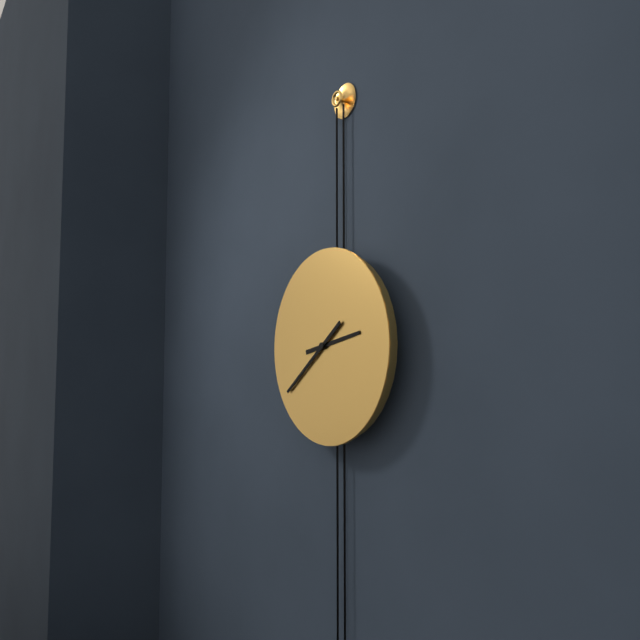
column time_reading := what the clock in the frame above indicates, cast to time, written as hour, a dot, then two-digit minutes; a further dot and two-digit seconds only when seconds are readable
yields 2.39
